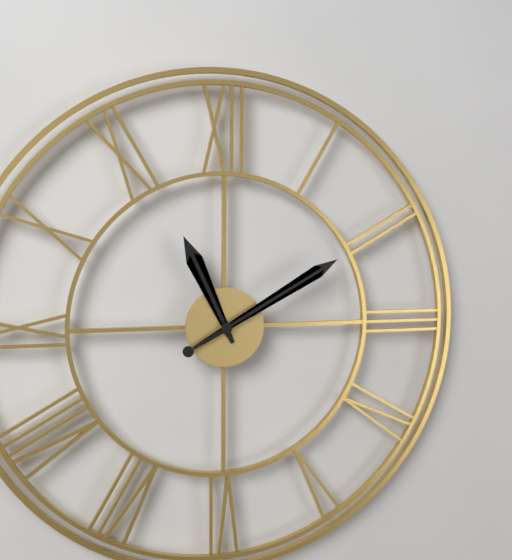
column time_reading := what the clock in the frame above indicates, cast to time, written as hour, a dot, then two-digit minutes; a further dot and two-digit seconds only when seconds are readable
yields 11.10
